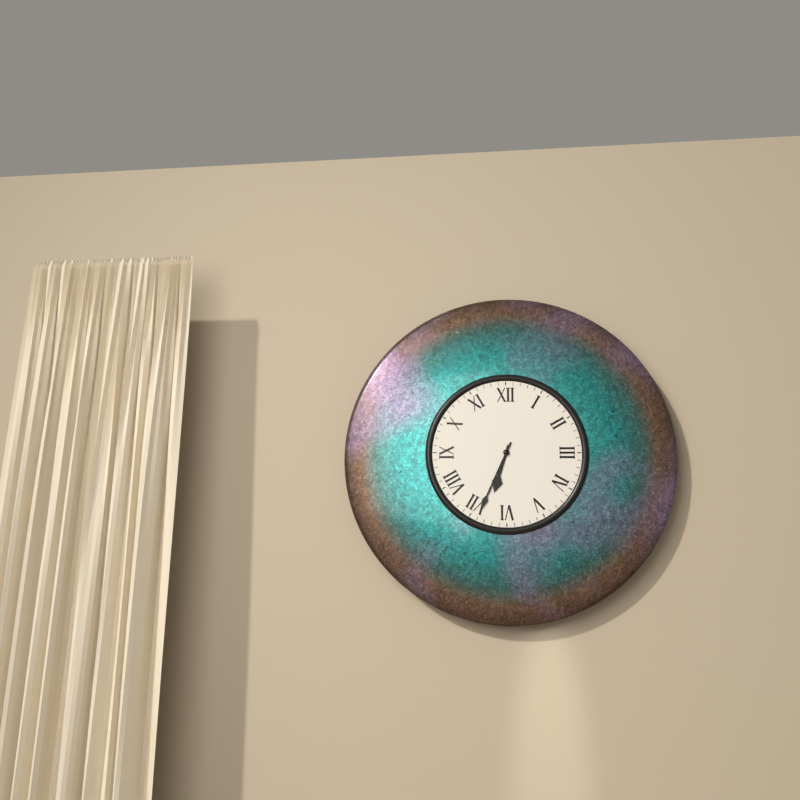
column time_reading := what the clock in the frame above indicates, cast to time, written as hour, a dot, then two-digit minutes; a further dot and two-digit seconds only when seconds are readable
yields 6.34
